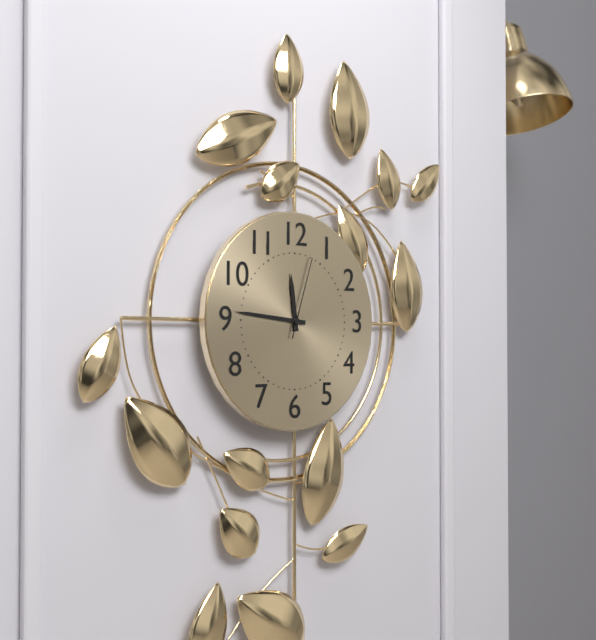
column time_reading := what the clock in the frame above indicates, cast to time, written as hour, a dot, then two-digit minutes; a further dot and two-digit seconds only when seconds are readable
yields 11.46.03
